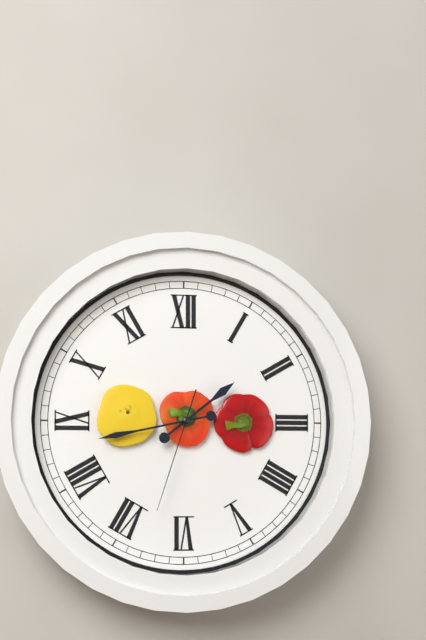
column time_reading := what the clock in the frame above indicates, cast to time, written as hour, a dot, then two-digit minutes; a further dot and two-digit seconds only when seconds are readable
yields 1.43.33
